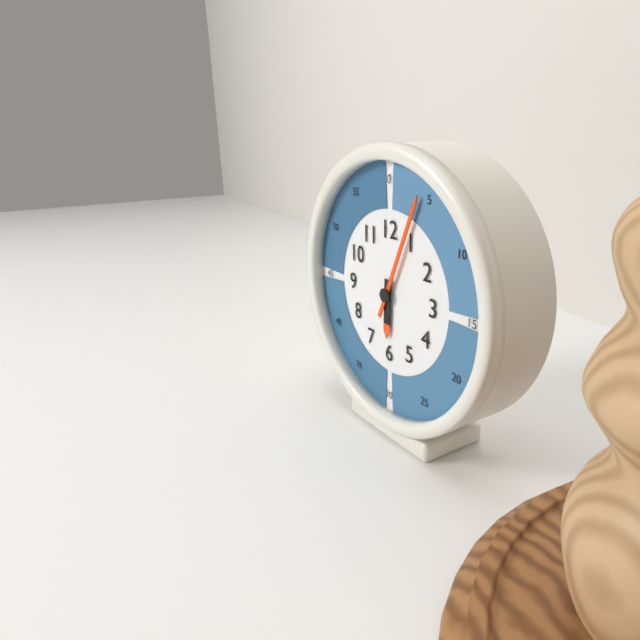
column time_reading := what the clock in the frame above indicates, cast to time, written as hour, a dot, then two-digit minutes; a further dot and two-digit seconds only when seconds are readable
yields 6.04
